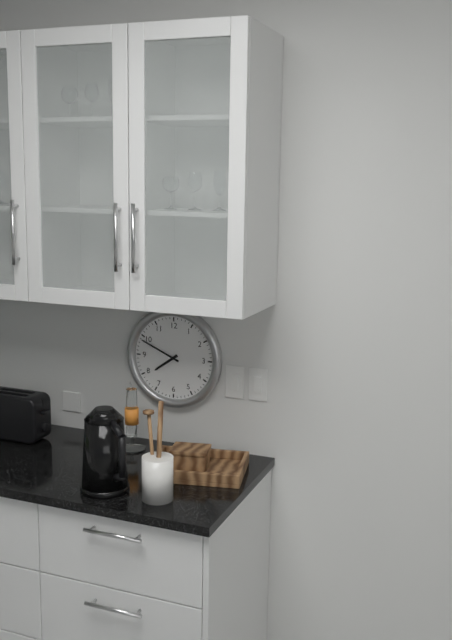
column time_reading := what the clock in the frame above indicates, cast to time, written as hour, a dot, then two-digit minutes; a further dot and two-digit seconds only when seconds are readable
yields 7.49
